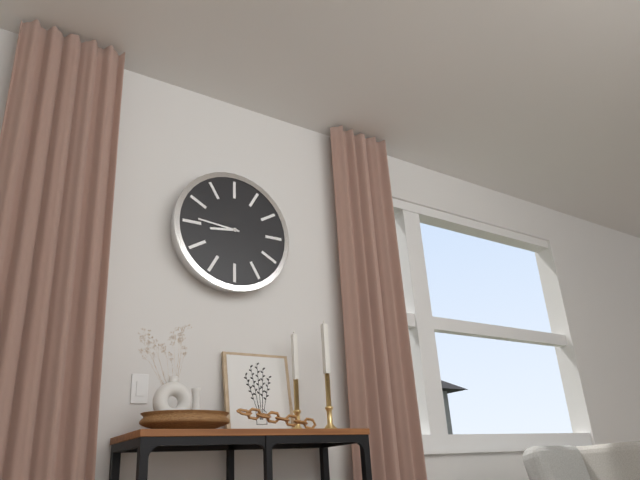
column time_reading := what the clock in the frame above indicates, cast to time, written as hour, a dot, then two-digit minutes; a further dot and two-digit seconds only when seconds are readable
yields 8.46
